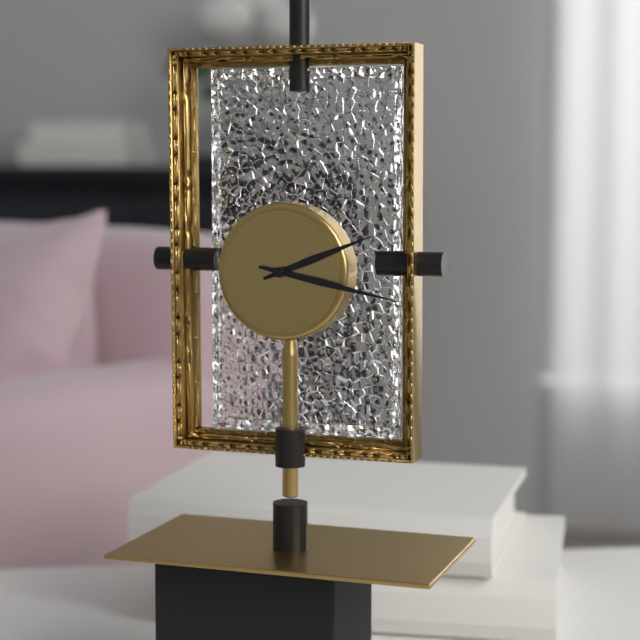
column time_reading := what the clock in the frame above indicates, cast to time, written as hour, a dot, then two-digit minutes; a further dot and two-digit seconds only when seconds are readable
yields 2.17
